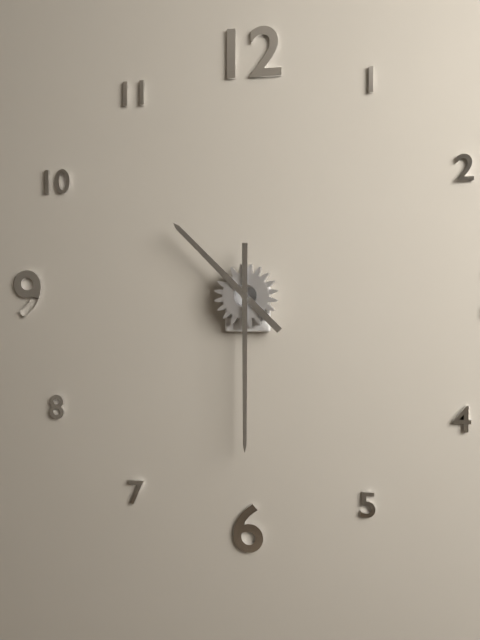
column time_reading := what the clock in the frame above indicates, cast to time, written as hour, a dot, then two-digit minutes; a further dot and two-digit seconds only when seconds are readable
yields 10.30
